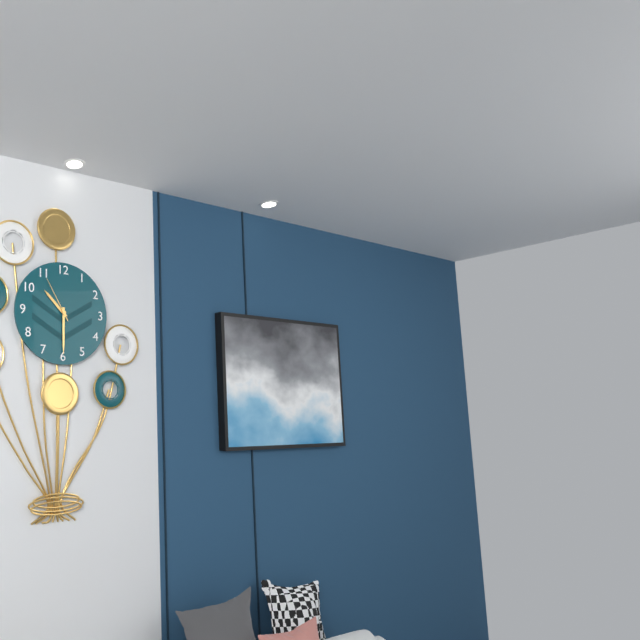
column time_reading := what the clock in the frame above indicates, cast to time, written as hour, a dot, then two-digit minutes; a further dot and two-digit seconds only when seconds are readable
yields 10.30
